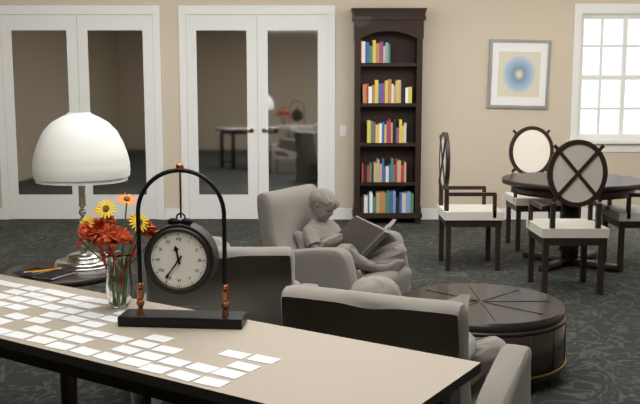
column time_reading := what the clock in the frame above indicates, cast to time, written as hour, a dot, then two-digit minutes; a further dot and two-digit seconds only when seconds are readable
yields 11.36
